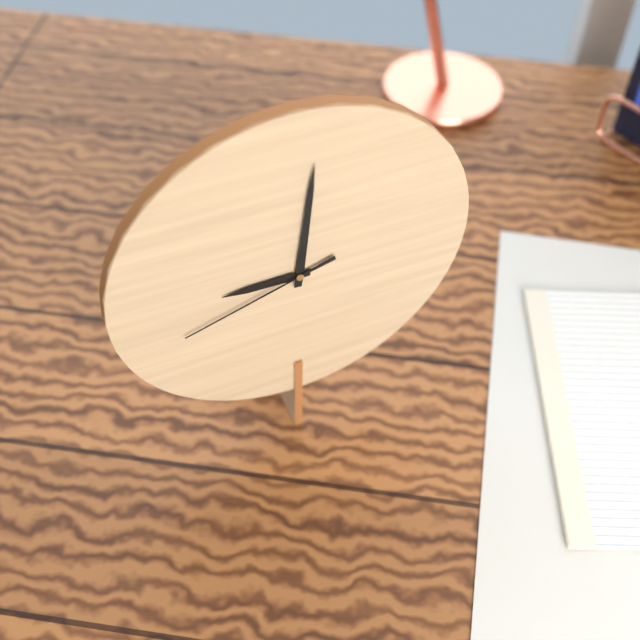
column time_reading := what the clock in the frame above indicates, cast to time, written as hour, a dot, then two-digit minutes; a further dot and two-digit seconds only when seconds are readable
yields 9.01.42
